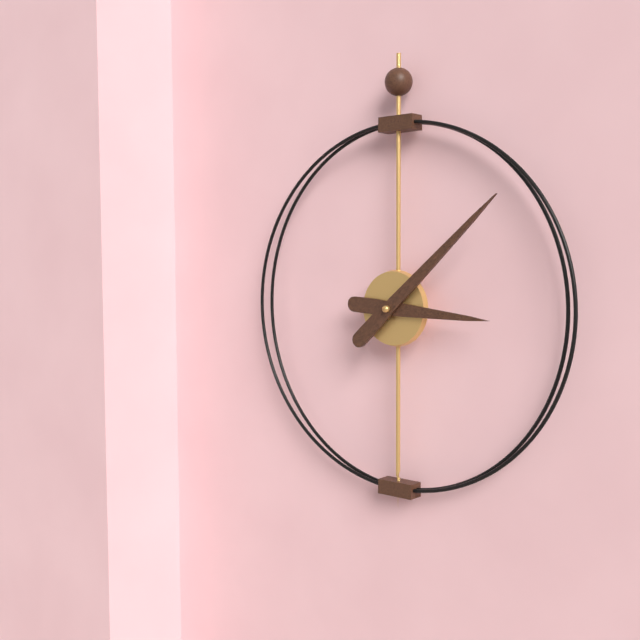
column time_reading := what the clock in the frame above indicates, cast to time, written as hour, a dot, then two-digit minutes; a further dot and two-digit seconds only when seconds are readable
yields 3.08
